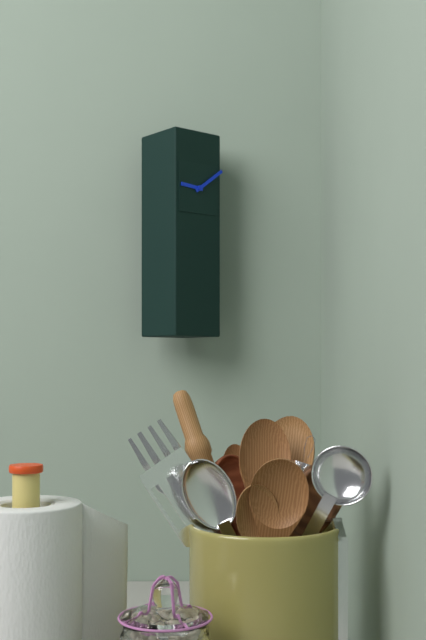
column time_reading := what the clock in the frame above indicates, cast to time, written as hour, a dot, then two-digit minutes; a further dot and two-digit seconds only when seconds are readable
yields 9.09
